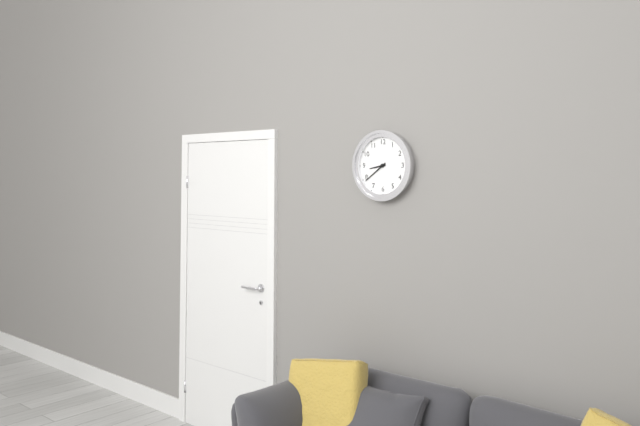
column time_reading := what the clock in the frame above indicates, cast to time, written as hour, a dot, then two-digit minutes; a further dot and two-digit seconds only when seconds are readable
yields 8.39
